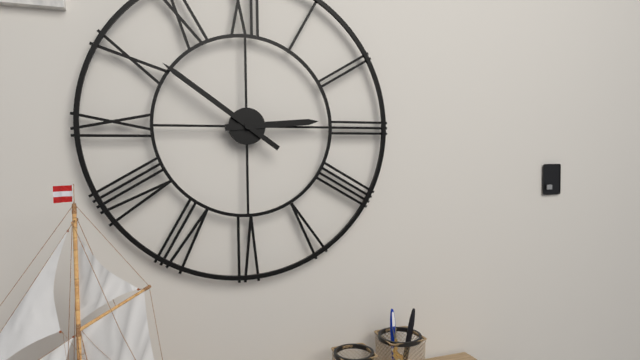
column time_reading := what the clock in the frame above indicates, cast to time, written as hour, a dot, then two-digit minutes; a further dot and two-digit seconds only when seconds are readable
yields 2.51
